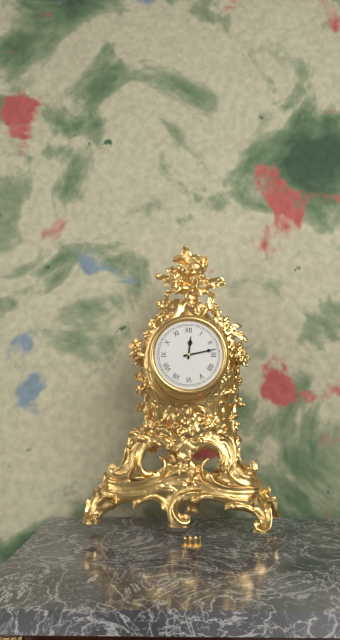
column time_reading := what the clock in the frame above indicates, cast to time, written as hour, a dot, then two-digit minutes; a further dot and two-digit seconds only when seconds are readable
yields 12.13
